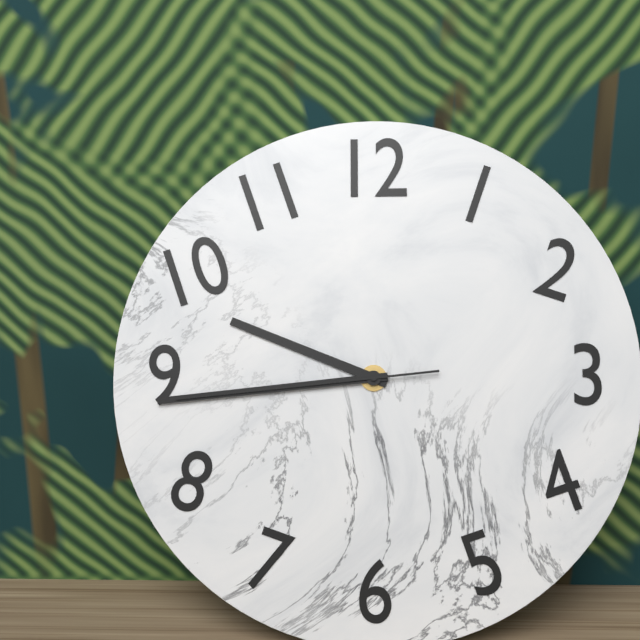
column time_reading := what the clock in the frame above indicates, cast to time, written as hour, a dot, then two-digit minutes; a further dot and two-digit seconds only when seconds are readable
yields 9.44.44
